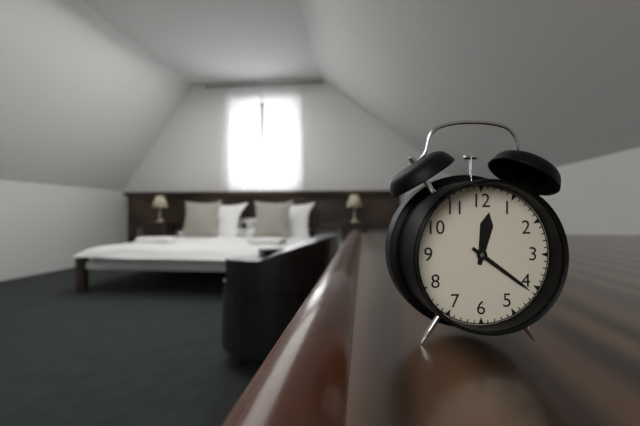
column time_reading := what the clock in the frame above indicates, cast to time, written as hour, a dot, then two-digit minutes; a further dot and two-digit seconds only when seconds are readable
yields 12.21
